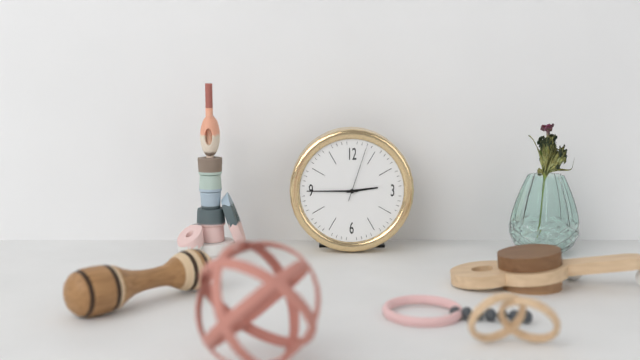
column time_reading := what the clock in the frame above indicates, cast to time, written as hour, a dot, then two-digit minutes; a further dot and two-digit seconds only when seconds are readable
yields 2.45.03
